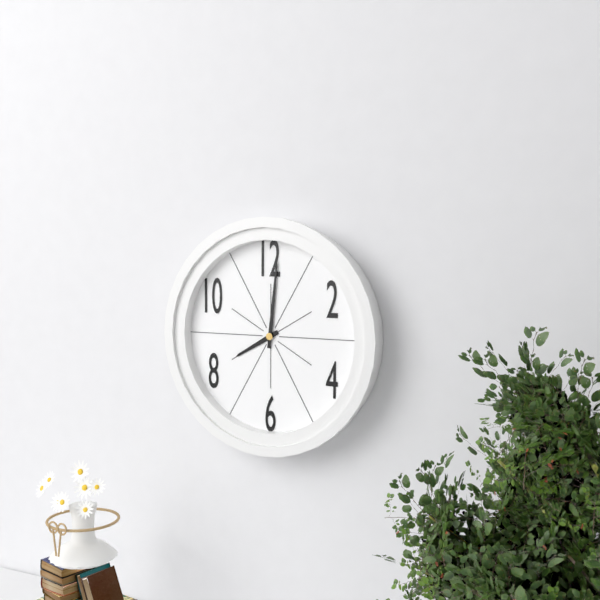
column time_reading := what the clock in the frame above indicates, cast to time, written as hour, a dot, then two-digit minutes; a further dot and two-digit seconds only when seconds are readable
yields 8.01
